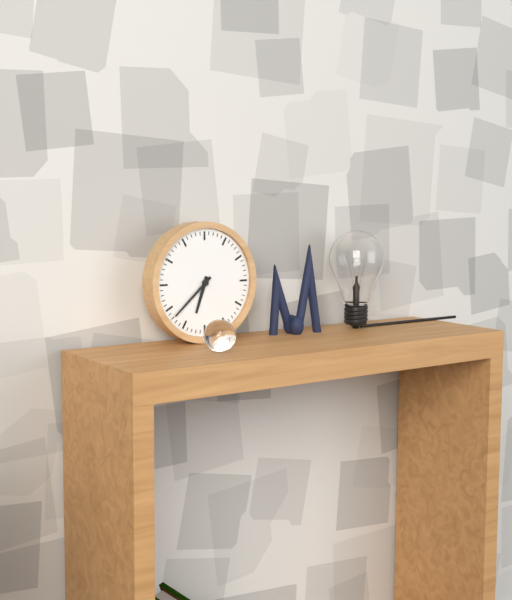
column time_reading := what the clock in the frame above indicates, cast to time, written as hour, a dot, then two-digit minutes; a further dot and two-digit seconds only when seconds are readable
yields 6.38
